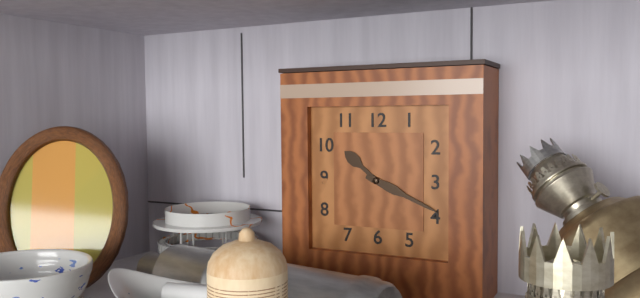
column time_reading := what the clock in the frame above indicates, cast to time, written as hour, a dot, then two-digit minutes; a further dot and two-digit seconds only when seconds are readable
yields 10.19
